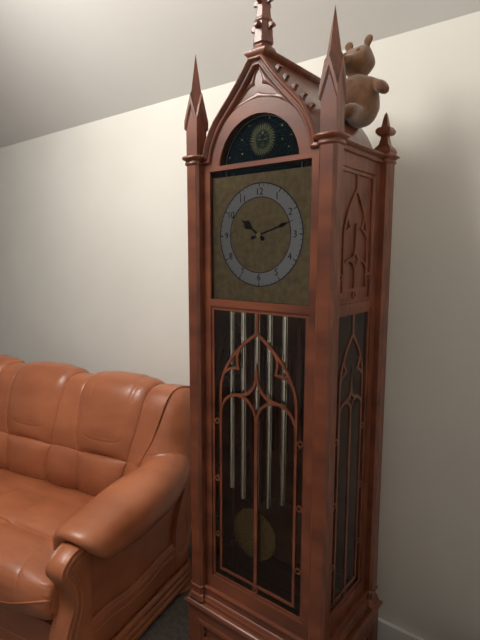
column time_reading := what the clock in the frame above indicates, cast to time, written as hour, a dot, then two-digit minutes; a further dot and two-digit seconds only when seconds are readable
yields 10.12
